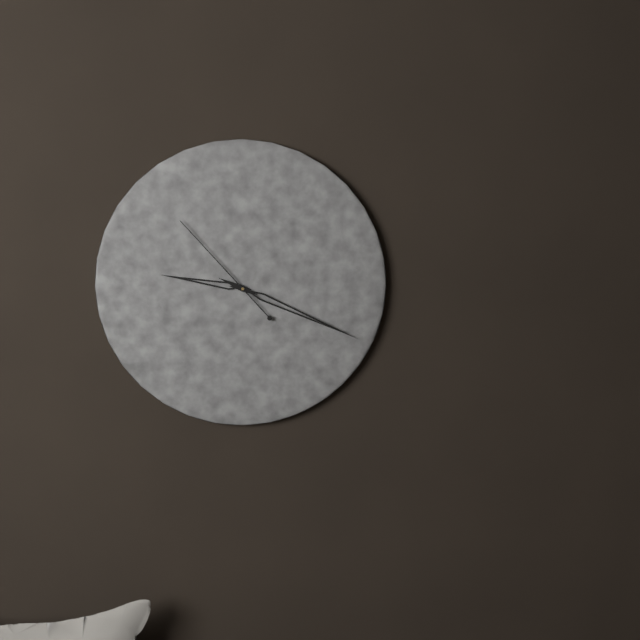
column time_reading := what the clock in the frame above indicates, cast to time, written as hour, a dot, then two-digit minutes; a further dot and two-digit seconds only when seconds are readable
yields 9.19.53
